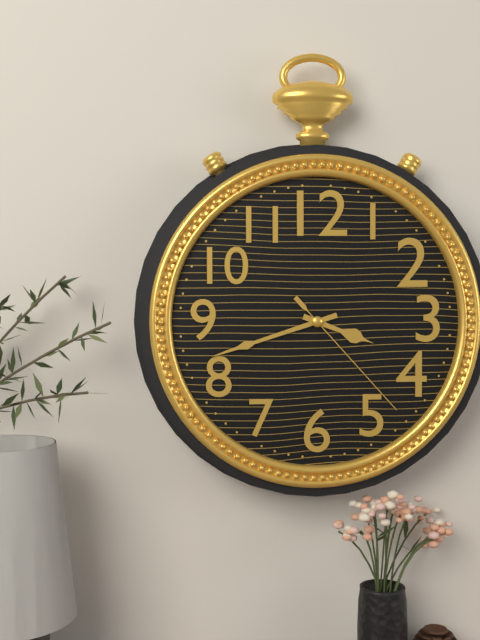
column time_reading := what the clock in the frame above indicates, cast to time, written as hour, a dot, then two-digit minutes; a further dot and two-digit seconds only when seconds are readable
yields 3.42.23
